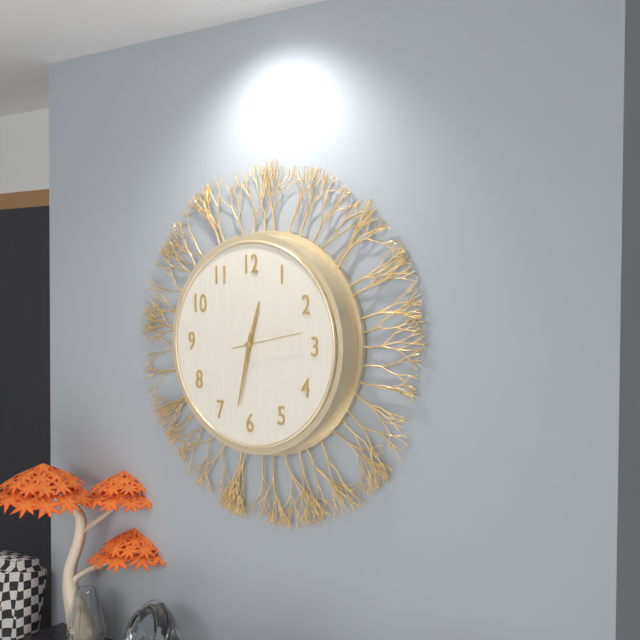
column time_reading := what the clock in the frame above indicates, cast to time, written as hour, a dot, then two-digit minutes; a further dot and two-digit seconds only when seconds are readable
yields 12.32.13
